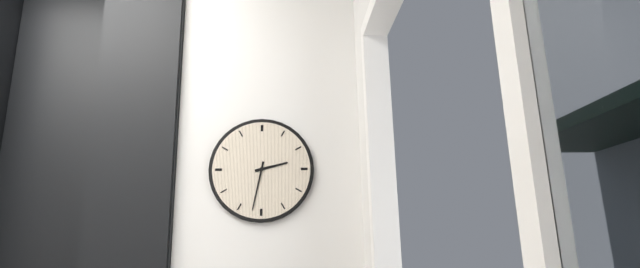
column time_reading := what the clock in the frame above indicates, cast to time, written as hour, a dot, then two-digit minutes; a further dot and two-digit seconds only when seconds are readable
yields 2.32
